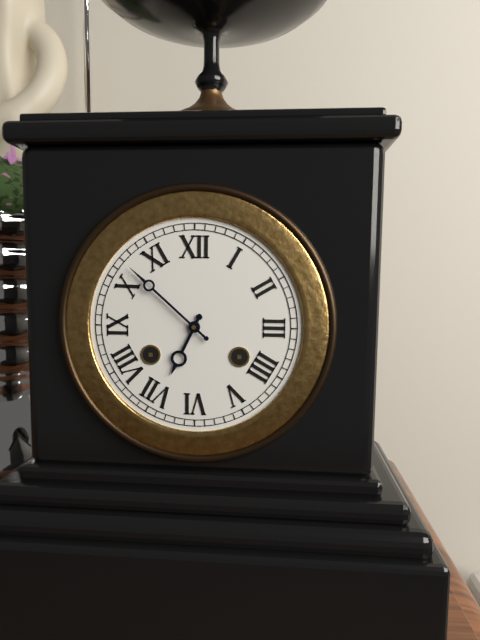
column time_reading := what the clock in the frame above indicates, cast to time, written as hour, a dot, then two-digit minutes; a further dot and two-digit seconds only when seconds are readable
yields 6.52
